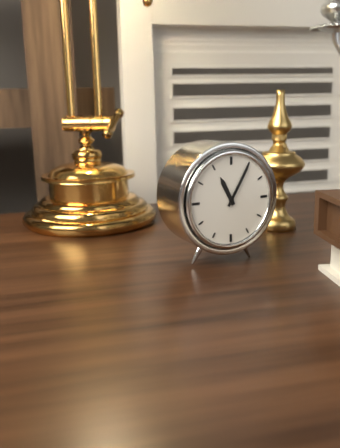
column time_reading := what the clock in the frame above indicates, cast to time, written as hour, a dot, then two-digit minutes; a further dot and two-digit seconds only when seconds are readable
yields 11.05
